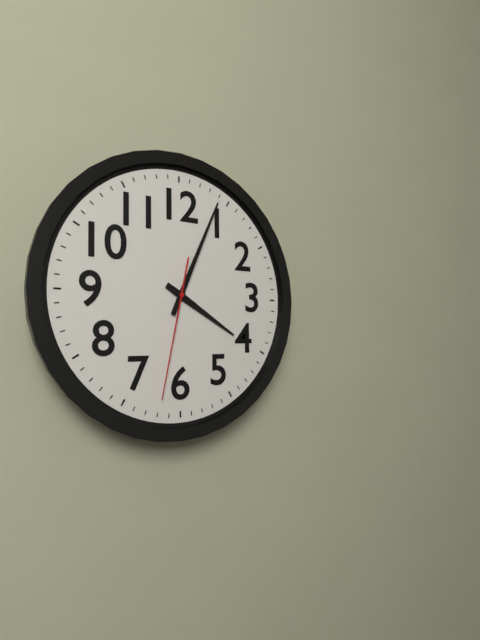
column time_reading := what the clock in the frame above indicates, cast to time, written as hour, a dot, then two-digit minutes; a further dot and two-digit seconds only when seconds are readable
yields 4.04.32
